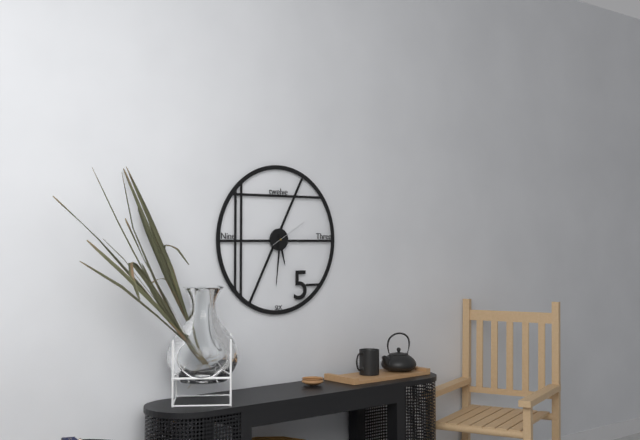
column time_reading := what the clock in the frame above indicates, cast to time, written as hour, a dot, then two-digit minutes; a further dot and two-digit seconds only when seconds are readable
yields 5.31
